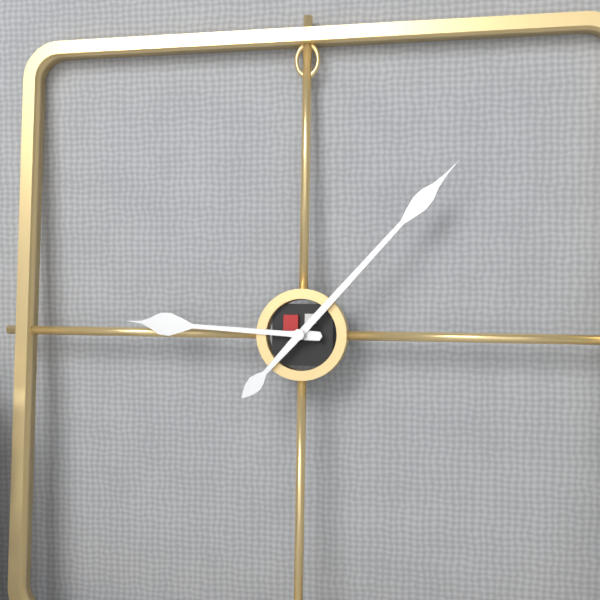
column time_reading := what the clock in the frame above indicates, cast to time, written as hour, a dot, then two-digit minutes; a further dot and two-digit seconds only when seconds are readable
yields 9.07
